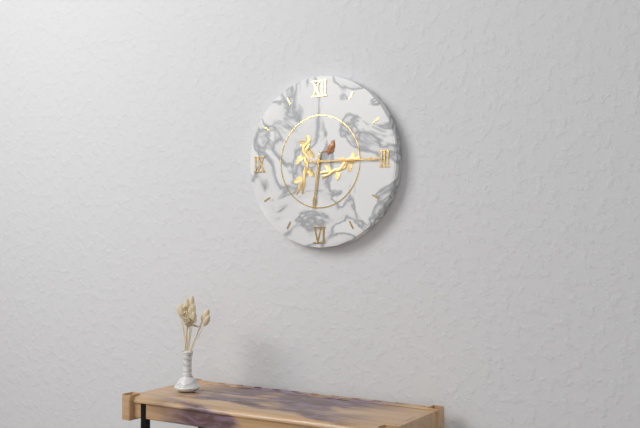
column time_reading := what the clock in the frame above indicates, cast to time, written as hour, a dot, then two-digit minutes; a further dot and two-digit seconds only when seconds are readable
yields 6.15
